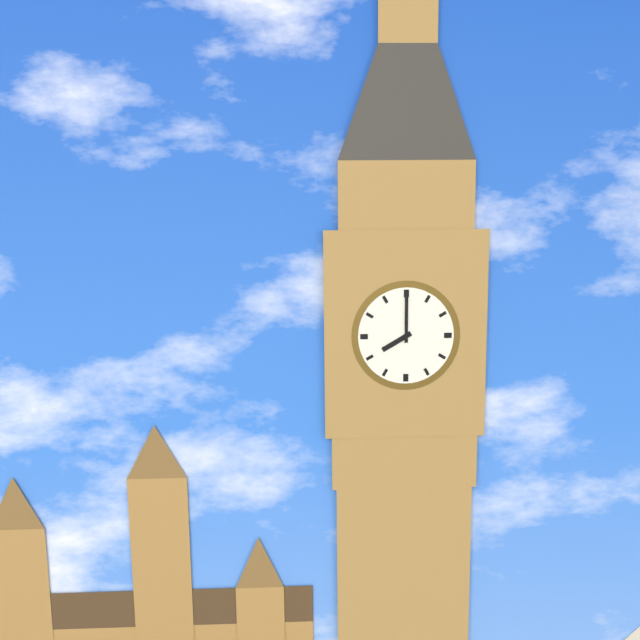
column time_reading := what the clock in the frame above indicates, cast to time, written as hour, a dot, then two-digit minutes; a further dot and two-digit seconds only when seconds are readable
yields 8.00
